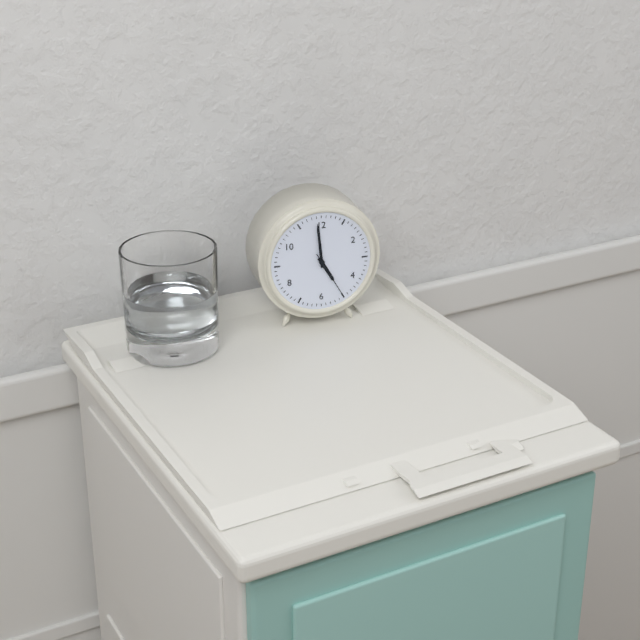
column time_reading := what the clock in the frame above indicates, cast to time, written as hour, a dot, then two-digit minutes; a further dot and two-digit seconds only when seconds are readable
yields 4.59.25
